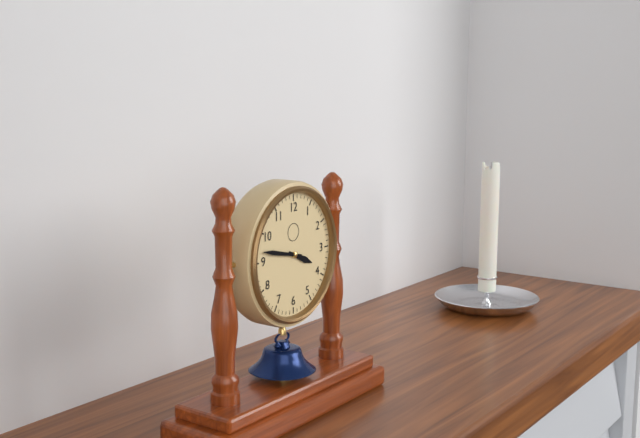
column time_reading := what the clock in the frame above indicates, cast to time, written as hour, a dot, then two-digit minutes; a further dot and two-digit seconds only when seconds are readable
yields 3.47
